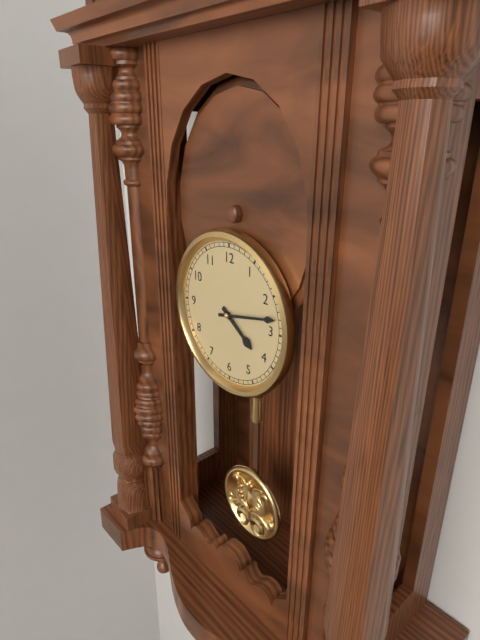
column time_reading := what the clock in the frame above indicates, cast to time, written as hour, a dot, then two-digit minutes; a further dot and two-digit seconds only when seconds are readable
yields 4.13
